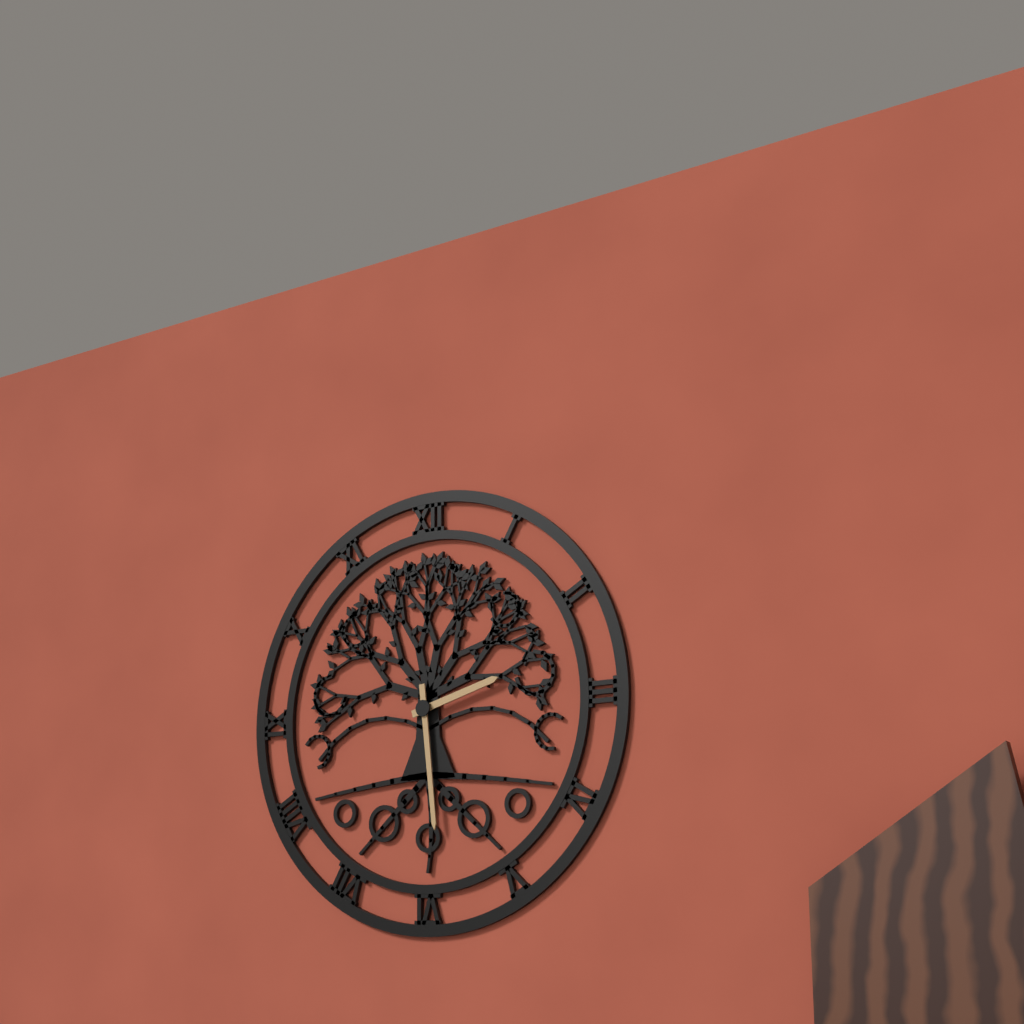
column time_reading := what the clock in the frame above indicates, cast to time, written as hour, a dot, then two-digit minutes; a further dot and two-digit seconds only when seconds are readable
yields 2.29
